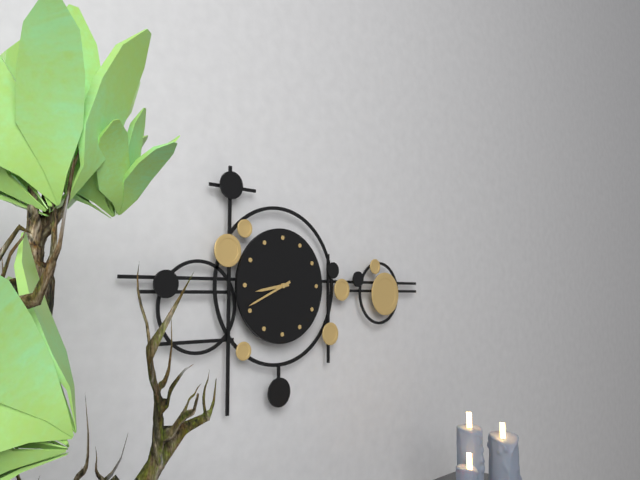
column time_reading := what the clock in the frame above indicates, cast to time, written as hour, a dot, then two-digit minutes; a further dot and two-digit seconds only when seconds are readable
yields 8.41
